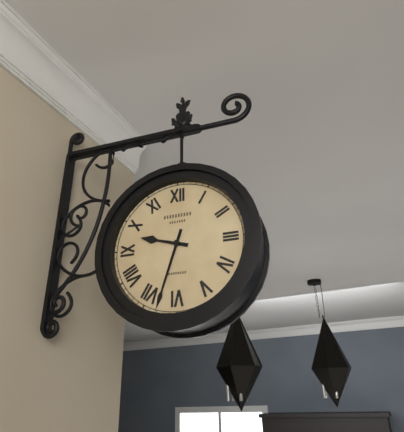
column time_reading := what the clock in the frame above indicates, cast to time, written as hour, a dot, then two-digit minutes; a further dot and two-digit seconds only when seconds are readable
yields 9.33
